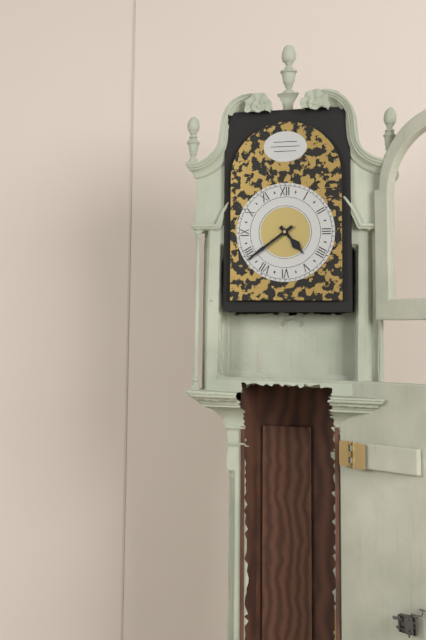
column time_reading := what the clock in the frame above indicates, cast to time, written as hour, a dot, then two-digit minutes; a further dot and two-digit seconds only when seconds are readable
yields 4.39
